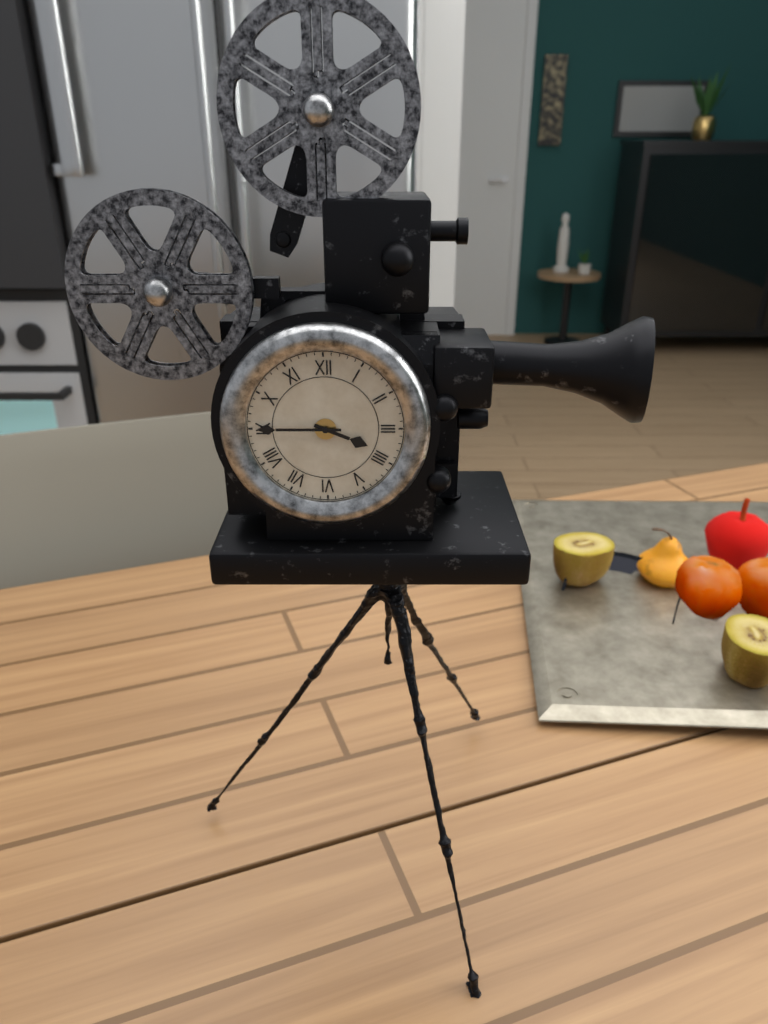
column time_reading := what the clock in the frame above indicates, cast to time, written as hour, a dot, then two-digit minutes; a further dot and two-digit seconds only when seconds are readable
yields 3.45
